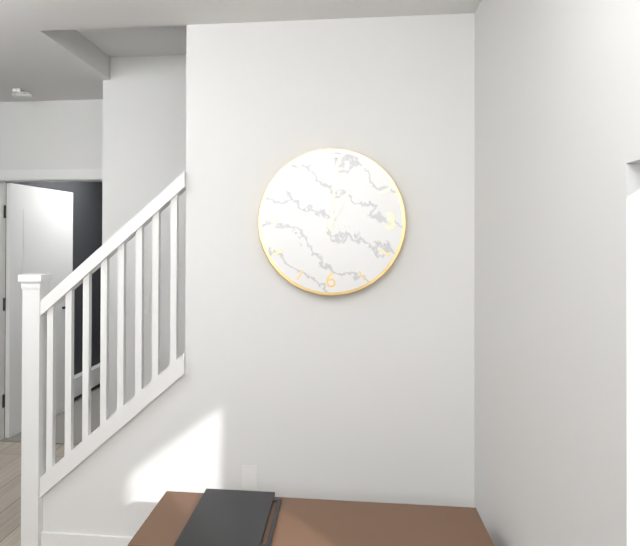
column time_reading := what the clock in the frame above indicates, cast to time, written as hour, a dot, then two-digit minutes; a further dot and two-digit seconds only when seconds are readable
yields 1.01
